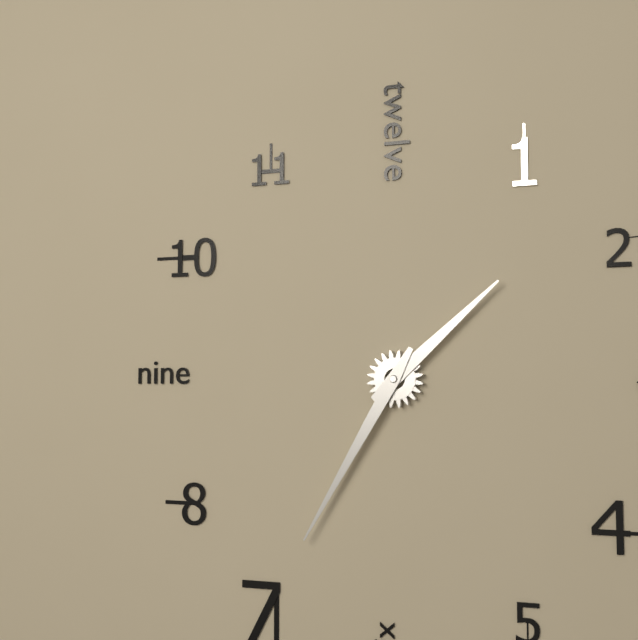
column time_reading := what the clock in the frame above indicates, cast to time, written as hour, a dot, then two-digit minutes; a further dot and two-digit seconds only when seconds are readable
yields 1.35
